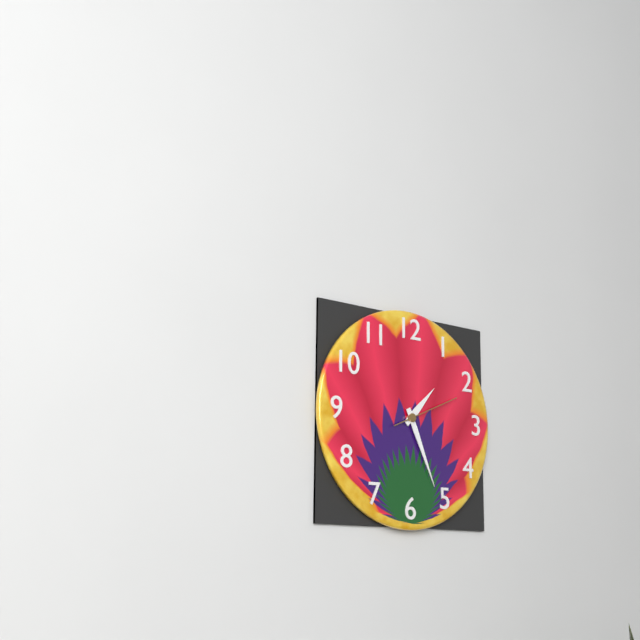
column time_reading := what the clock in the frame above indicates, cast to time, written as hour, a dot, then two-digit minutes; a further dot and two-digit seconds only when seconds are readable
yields 1.26.11
